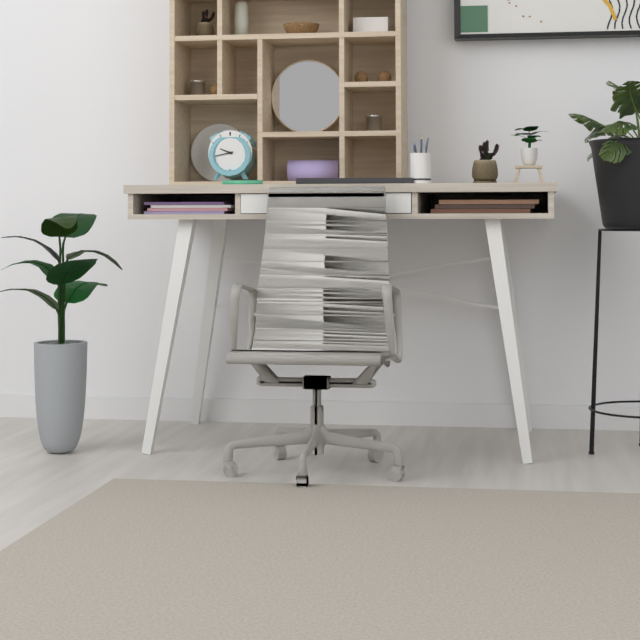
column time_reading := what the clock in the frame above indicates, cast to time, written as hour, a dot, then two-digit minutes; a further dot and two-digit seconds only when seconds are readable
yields 9.43
